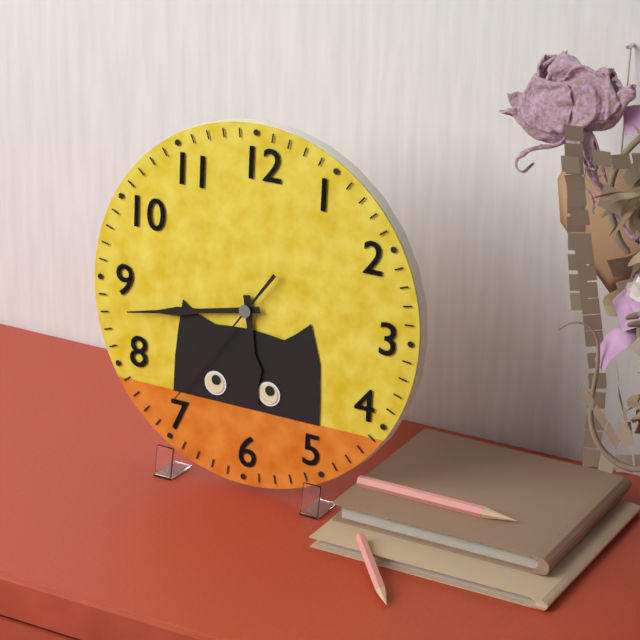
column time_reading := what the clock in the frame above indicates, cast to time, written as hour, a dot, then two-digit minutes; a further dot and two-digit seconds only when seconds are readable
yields 5.43.36
